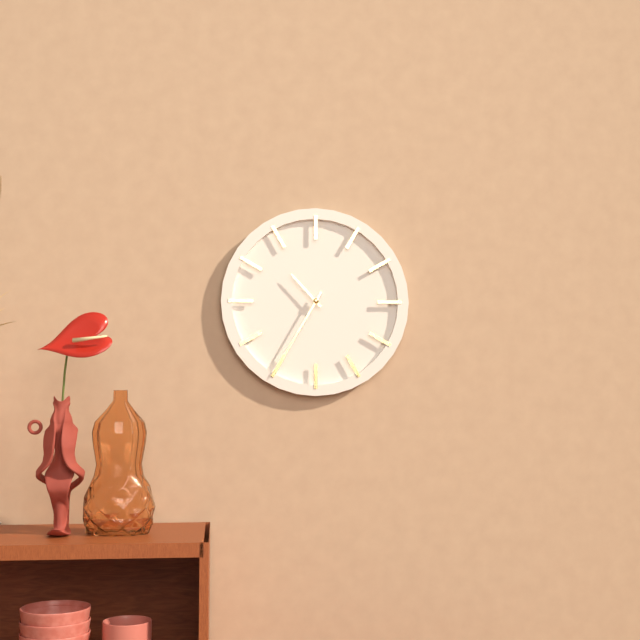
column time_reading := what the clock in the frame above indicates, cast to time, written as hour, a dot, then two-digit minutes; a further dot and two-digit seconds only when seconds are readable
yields 10.35
